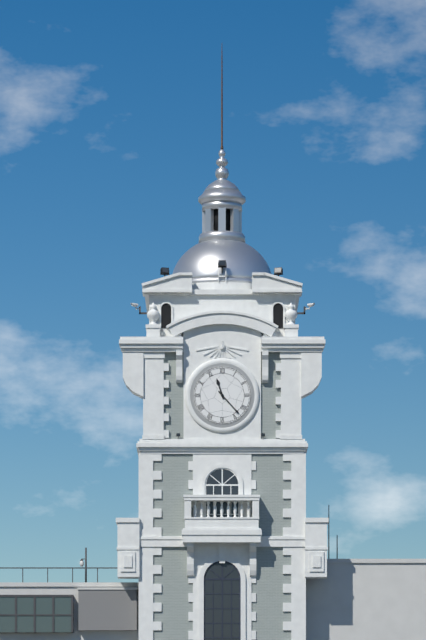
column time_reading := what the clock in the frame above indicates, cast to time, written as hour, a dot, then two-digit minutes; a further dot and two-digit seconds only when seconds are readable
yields 11.23
